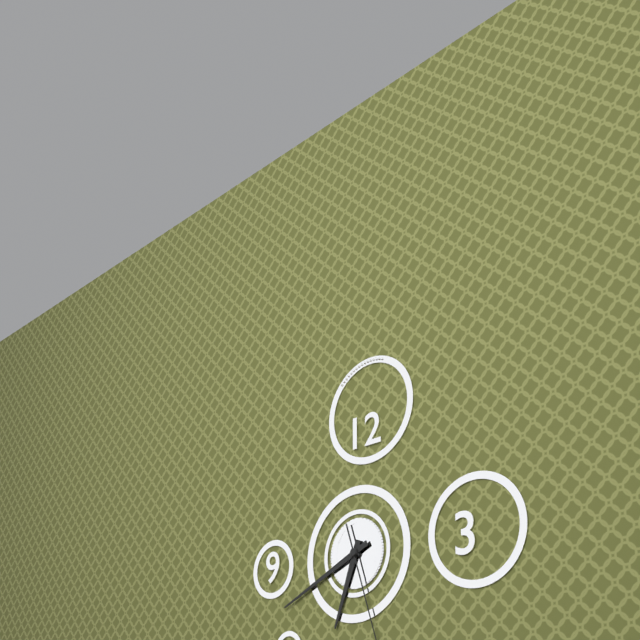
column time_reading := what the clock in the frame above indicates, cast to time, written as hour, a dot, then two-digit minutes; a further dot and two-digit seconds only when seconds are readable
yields 6.41
